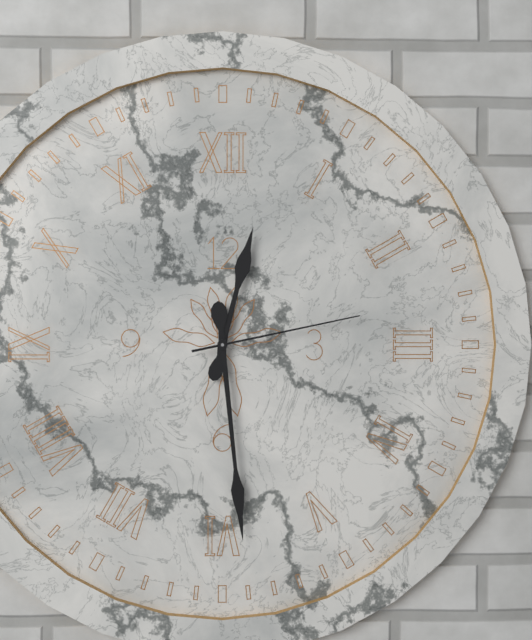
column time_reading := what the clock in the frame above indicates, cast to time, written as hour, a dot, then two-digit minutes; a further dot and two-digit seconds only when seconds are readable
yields 12.29.13
